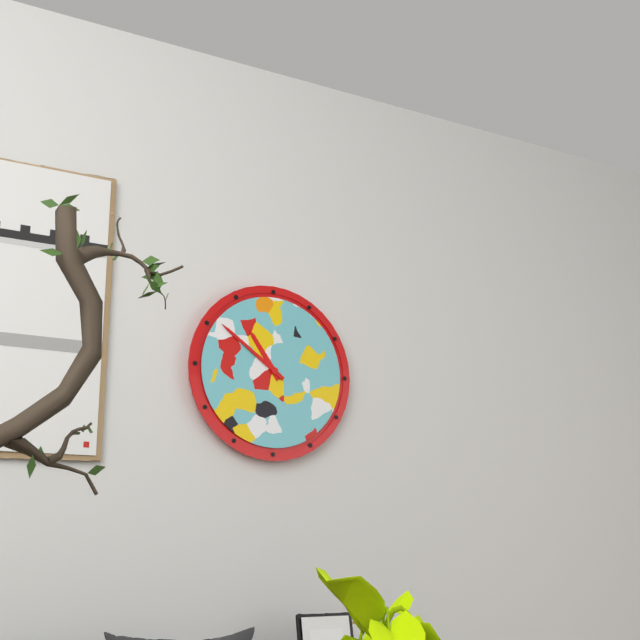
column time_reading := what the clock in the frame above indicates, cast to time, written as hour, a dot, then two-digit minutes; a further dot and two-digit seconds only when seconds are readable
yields 10.51
